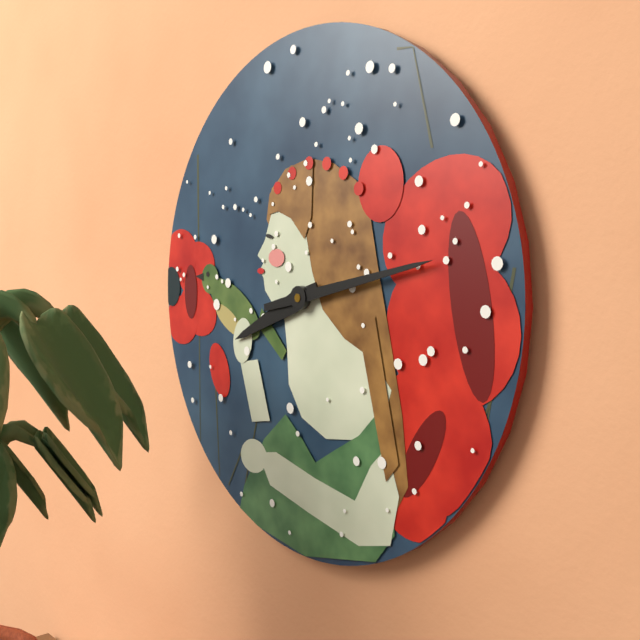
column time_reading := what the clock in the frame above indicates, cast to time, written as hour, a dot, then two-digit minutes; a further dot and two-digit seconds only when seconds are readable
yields 8.13
